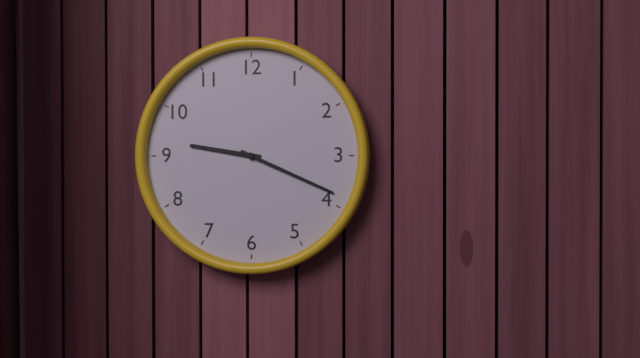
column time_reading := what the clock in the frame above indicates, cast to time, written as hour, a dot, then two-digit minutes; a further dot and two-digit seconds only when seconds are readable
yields 9.19
